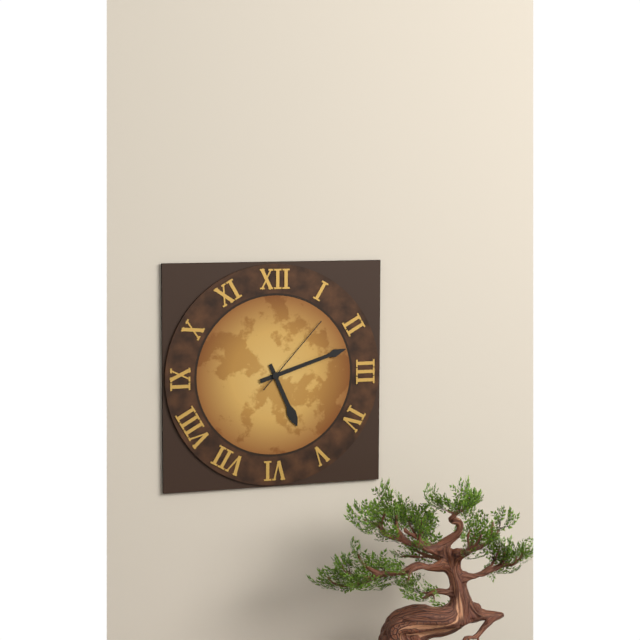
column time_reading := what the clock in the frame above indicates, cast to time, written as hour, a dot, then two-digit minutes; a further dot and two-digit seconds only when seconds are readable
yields 5.12.07
